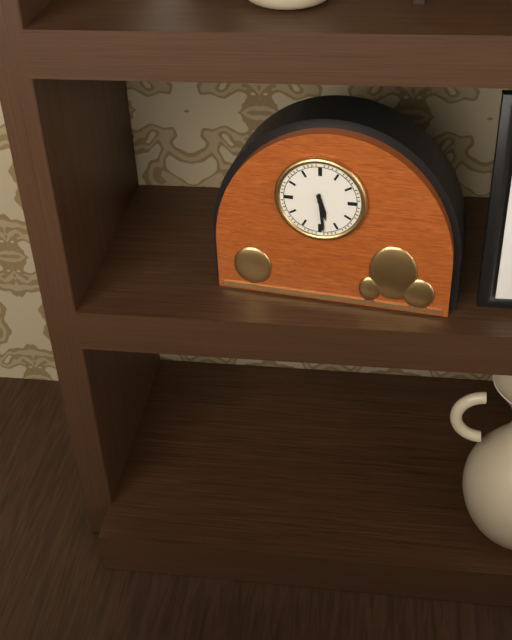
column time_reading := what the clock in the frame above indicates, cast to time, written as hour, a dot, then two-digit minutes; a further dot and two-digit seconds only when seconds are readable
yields 5.29
